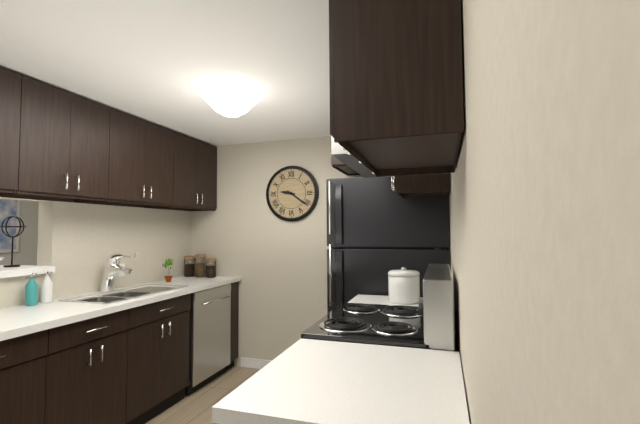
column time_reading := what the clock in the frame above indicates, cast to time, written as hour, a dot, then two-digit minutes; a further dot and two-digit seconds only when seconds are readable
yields 9.21
